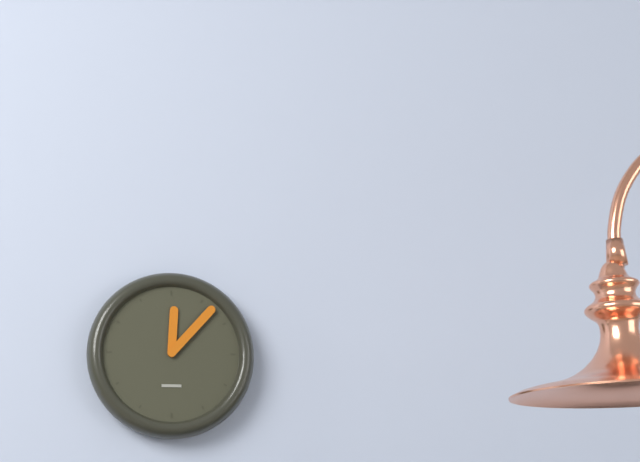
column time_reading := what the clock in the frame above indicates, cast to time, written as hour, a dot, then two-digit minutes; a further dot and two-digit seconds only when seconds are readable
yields 12.07
